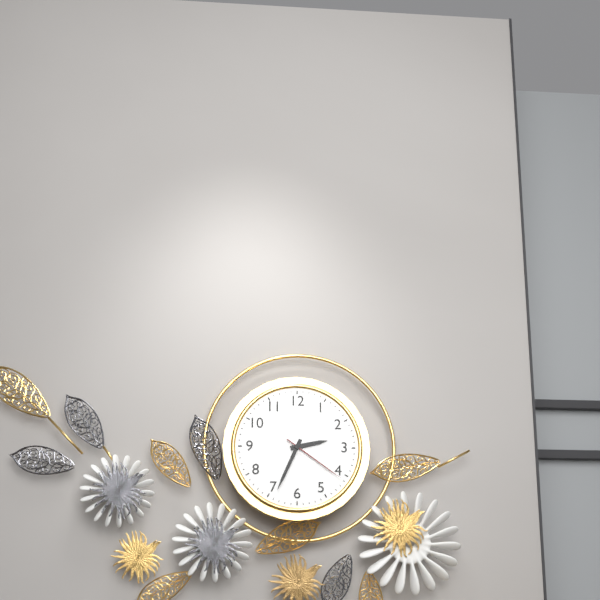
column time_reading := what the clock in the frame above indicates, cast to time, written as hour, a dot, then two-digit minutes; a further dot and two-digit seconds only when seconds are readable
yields 2.34.21
